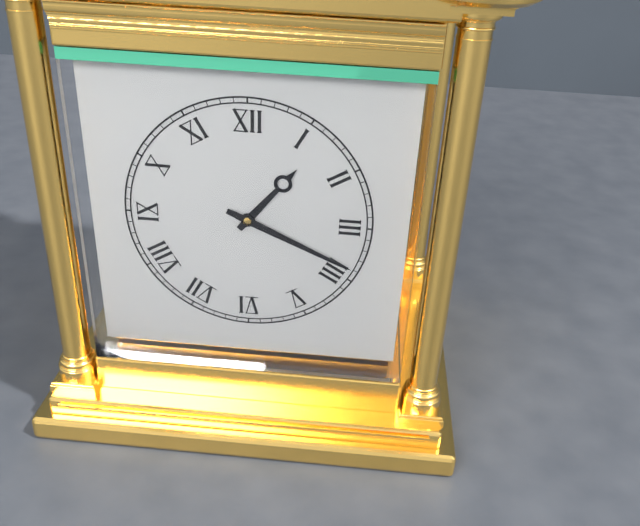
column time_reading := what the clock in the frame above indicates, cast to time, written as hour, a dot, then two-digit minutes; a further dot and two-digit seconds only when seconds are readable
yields 1.19
